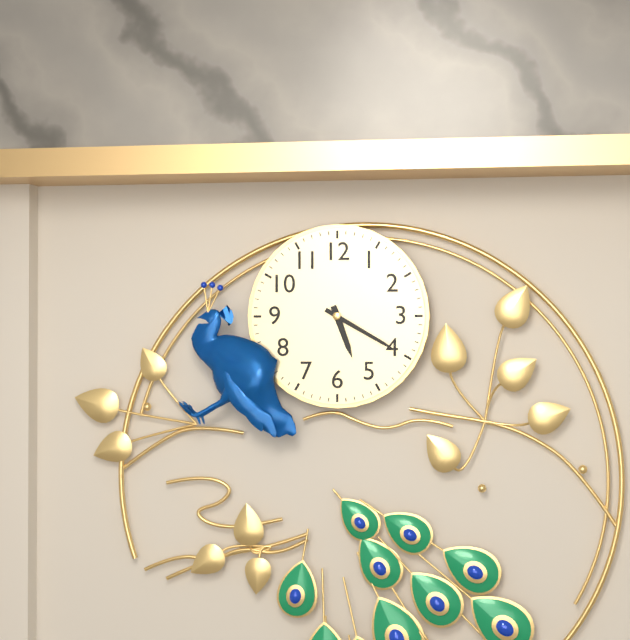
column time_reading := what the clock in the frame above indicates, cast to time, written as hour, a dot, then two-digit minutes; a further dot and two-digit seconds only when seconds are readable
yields 5.20
